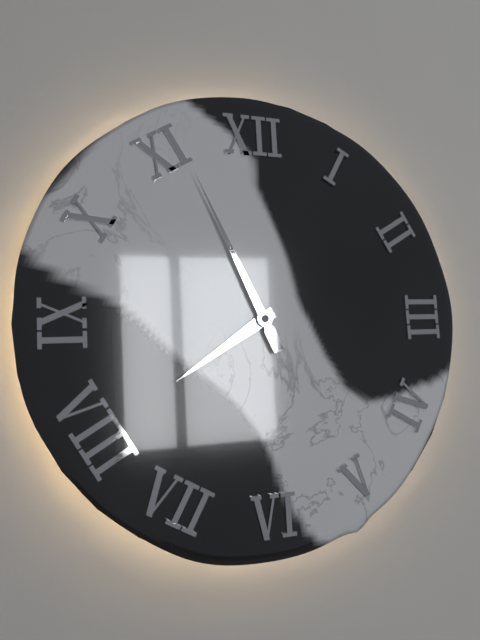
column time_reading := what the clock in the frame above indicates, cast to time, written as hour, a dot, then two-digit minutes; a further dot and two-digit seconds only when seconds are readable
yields 7.56
